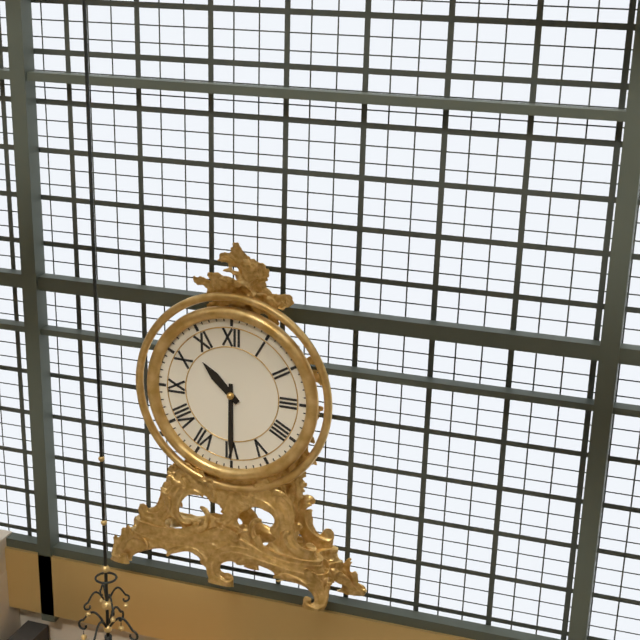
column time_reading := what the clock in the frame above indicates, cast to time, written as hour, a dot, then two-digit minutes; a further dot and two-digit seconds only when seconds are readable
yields 10.30
